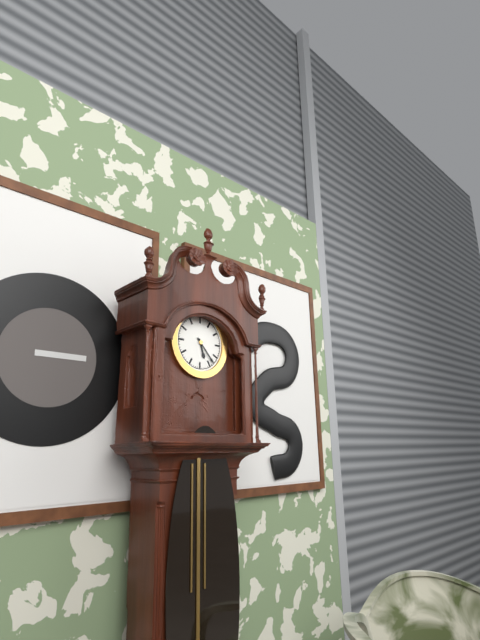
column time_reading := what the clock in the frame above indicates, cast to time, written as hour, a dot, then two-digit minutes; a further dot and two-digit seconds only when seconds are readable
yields 5.23
